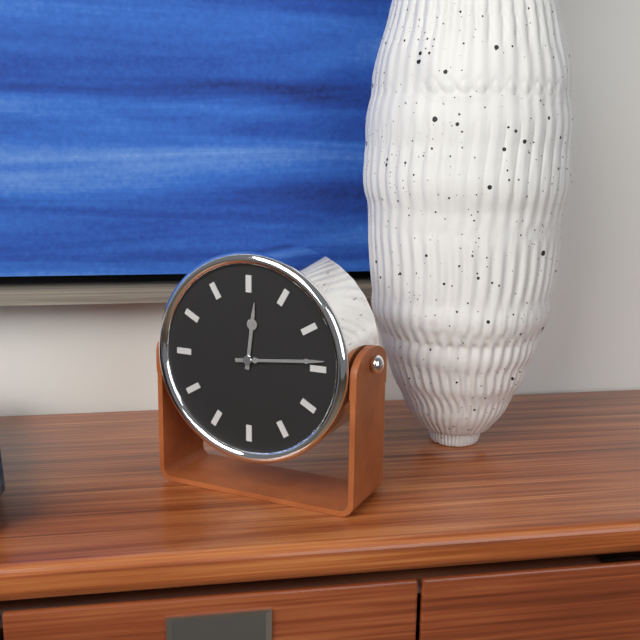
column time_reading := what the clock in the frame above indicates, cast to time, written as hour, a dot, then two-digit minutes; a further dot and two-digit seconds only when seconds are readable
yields 12.14
